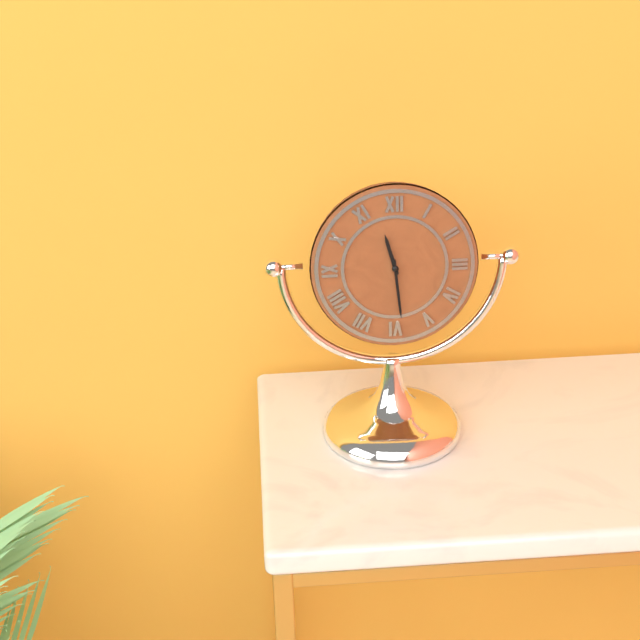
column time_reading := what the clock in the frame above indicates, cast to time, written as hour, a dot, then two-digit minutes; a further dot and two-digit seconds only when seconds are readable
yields 11.29
